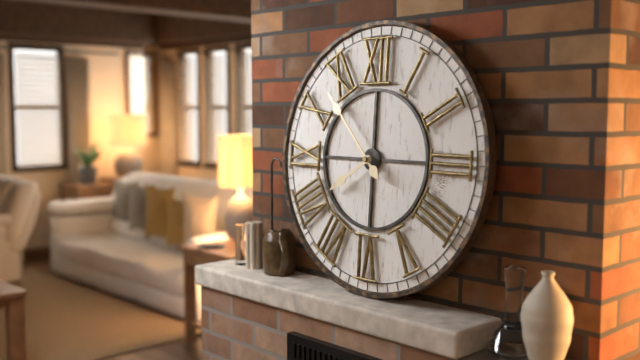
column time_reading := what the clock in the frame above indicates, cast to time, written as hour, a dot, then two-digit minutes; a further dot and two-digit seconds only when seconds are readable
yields 7.53
